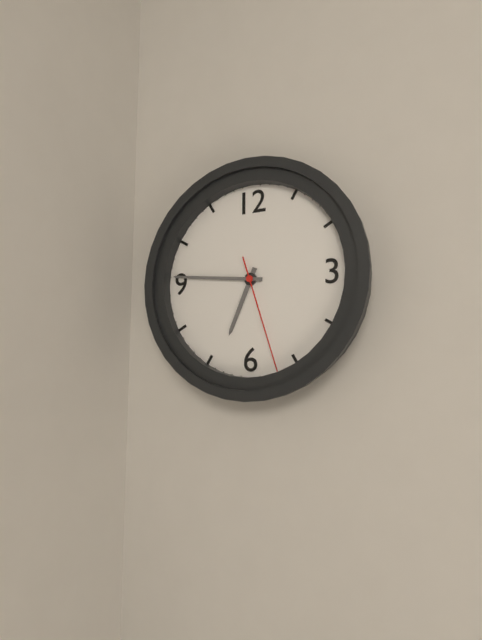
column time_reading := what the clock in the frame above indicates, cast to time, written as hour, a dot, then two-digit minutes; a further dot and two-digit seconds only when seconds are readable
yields 6.46.27
